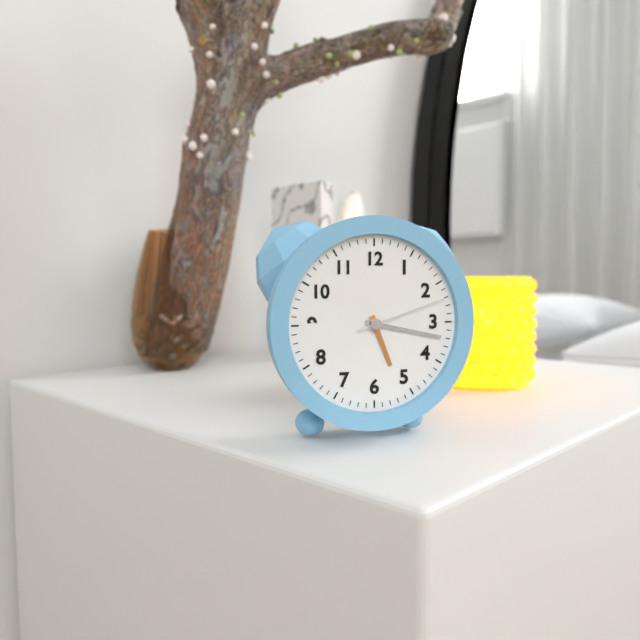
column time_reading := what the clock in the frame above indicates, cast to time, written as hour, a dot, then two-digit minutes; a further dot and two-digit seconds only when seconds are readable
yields 5.17.12
